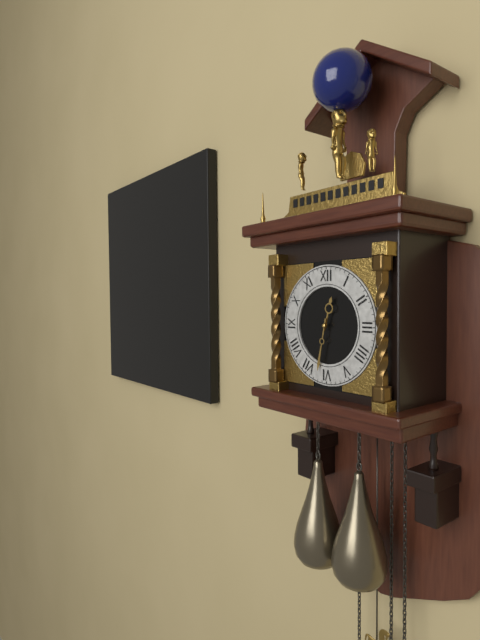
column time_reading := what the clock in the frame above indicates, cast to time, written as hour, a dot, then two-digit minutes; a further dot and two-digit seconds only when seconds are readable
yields 12.32
